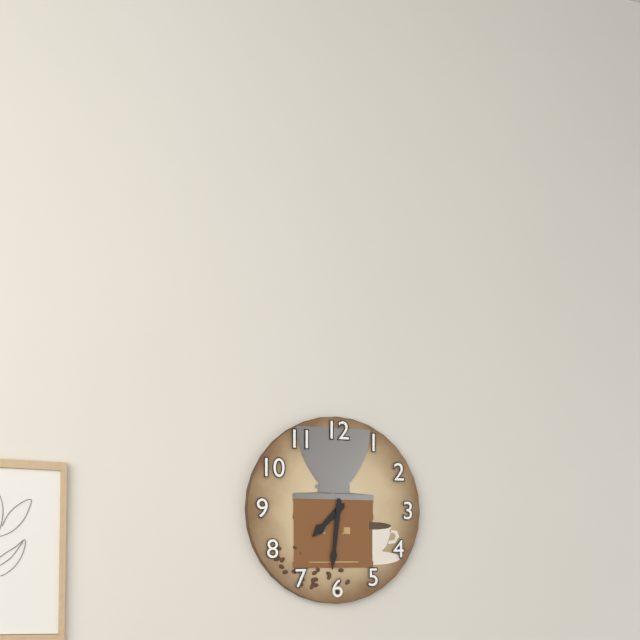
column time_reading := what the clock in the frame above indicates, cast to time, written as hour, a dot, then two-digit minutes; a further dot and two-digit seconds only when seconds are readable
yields 7.31
